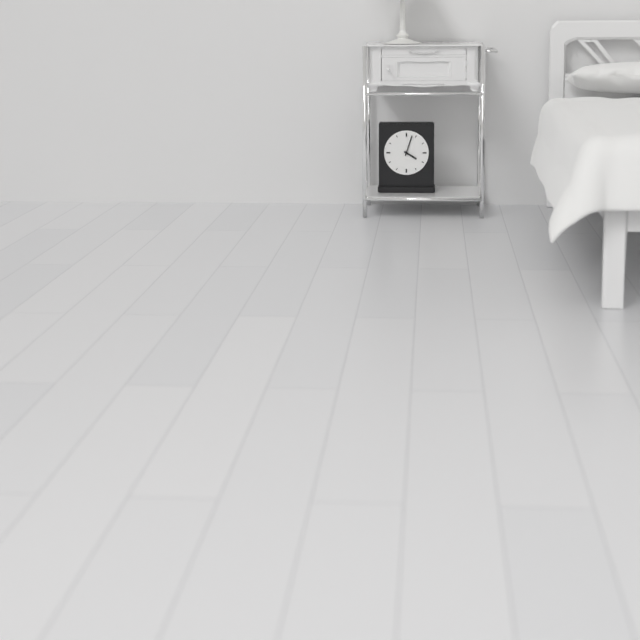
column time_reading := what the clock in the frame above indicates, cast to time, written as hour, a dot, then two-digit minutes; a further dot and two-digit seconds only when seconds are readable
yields 4.03
